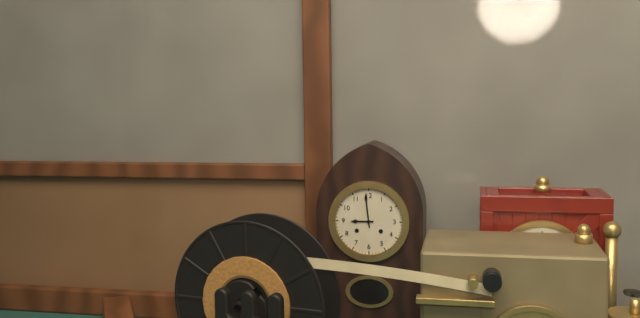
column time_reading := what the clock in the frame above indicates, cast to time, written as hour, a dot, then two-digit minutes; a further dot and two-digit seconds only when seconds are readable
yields 8.59
